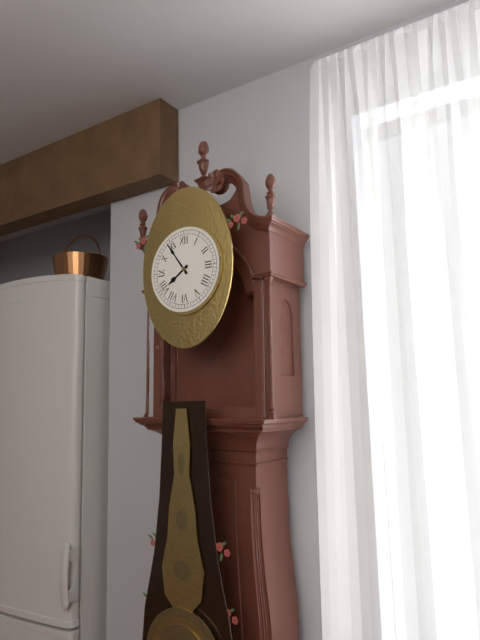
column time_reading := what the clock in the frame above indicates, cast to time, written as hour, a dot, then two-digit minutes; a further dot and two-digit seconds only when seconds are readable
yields 7.54
